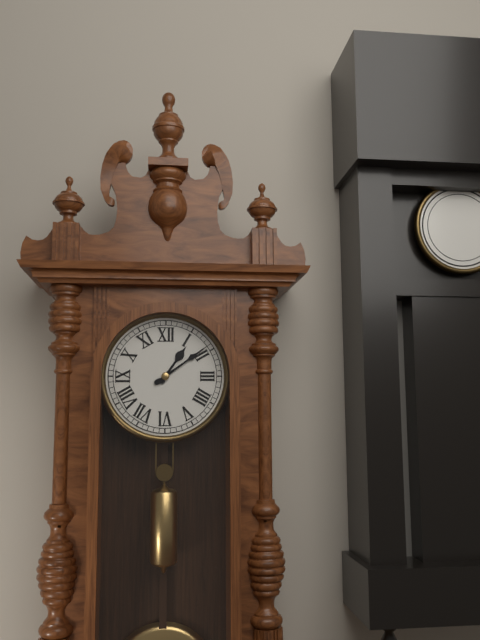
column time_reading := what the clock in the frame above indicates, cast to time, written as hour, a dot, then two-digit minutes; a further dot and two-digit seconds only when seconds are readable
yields 1.09
